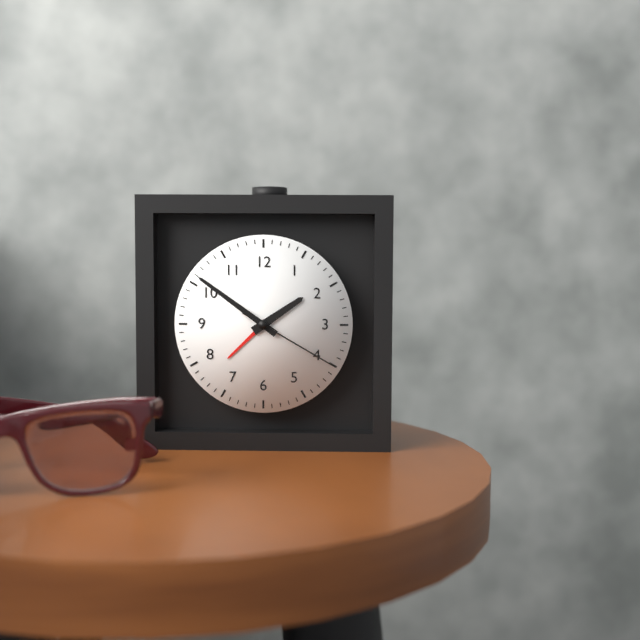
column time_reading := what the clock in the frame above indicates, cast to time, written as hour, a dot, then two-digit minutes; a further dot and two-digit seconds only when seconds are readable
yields 1.51.20
